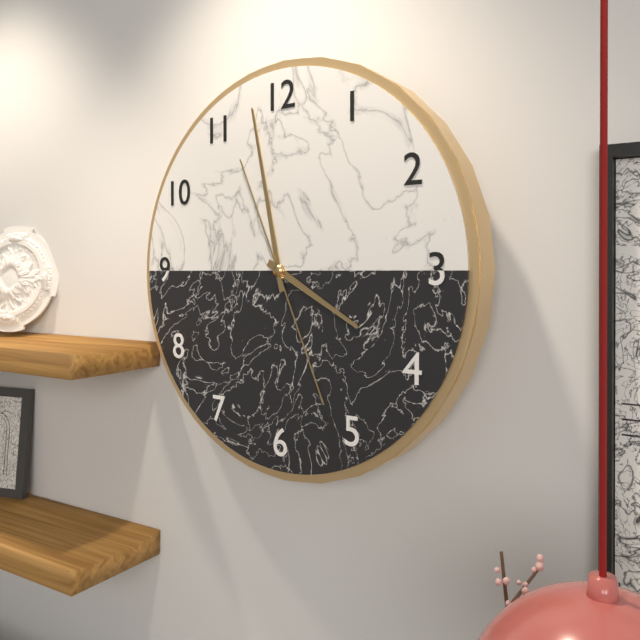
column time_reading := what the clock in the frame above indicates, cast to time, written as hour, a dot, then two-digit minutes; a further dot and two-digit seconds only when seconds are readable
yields 3.58.26
